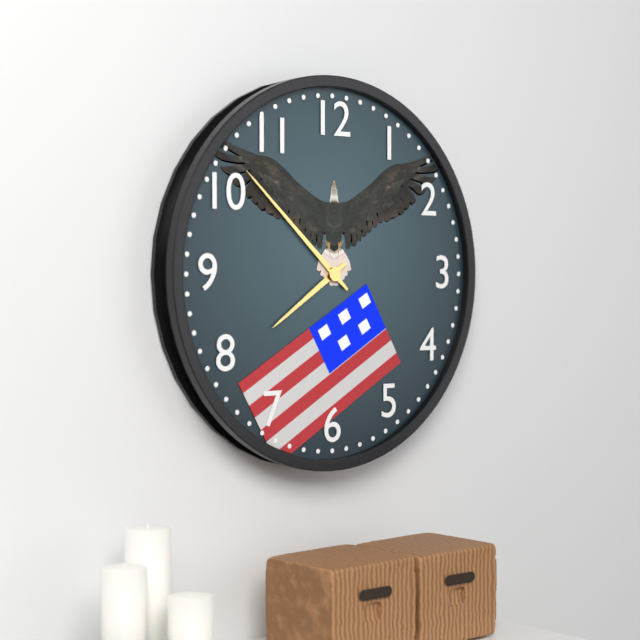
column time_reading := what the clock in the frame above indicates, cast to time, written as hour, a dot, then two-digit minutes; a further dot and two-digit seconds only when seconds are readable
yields 7.52
